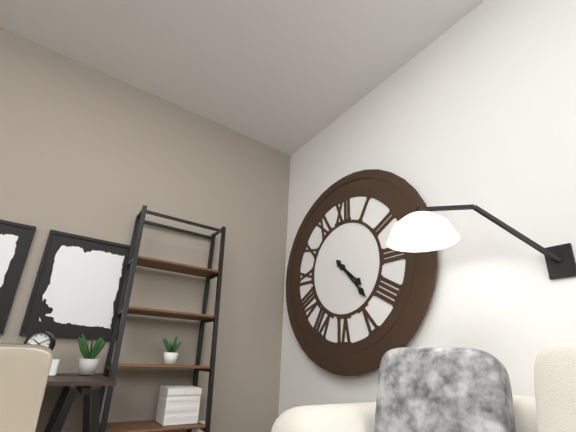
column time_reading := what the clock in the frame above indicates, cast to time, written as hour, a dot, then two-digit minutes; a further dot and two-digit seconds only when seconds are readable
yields 4.23
